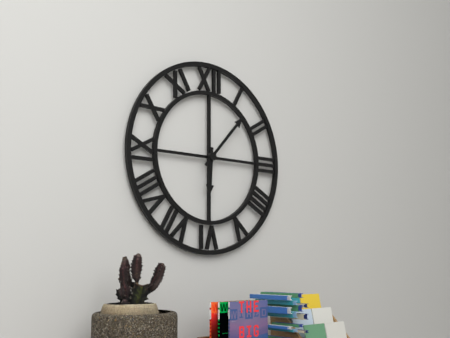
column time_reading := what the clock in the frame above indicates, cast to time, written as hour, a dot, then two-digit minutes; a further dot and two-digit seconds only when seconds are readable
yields 6.07
